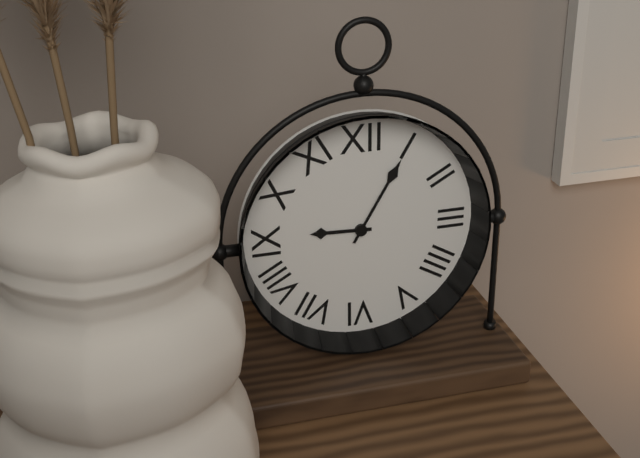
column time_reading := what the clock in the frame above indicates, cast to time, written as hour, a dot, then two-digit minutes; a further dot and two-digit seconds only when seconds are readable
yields 9.05
